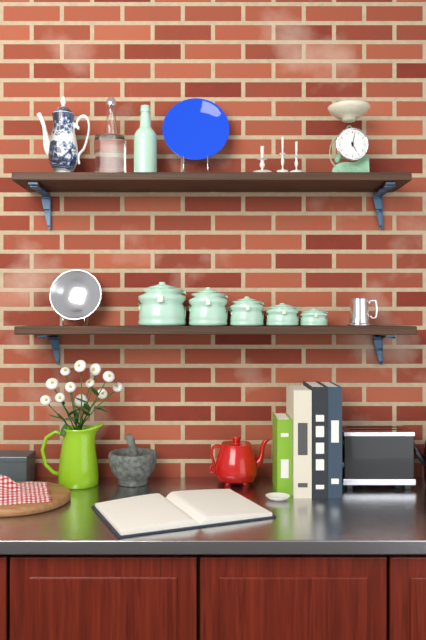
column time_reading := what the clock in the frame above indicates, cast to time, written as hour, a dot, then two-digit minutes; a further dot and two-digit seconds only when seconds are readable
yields 5.02
